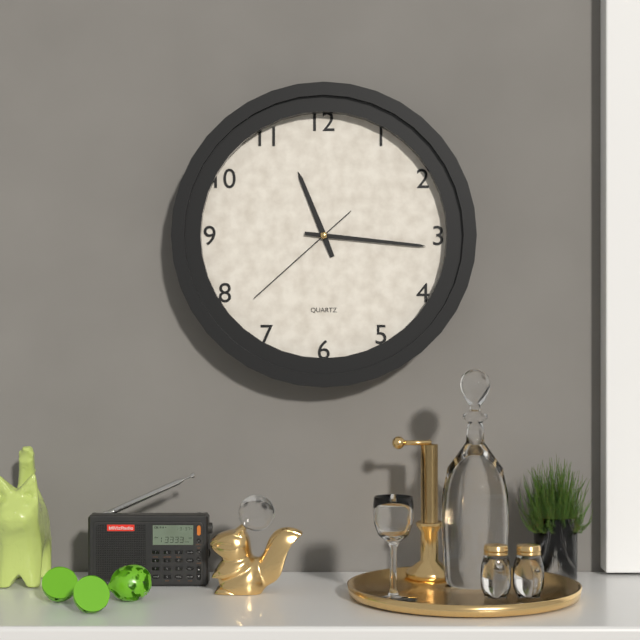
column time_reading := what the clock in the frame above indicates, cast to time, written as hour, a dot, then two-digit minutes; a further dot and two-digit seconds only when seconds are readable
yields 11.16.38
